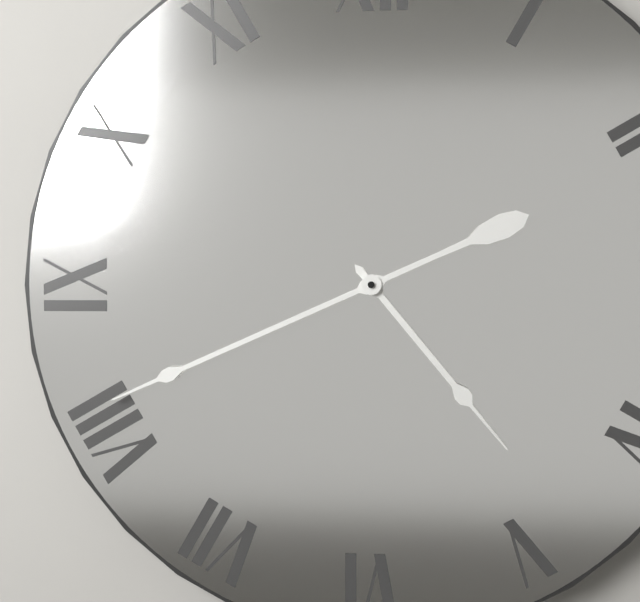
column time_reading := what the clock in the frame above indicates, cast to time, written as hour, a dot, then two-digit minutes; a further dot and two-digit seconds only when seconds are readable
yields 4.41
